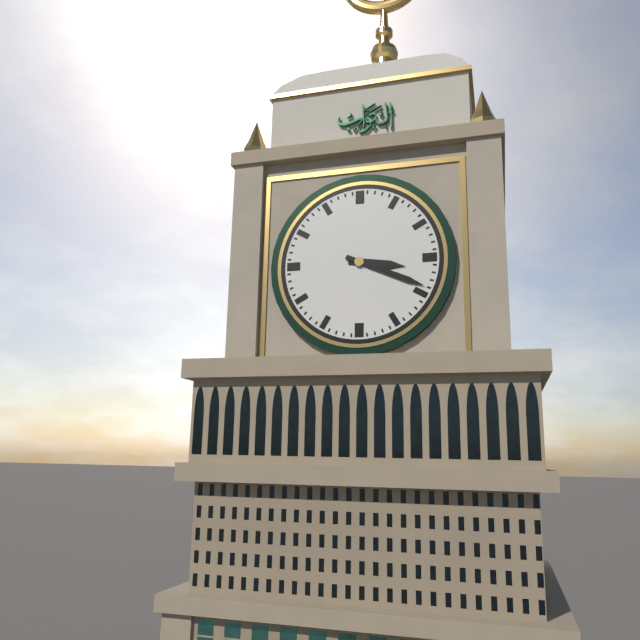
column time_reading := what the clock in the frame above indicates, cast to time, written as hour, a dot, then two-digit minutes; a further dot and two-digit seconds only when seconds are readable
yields 3.19
